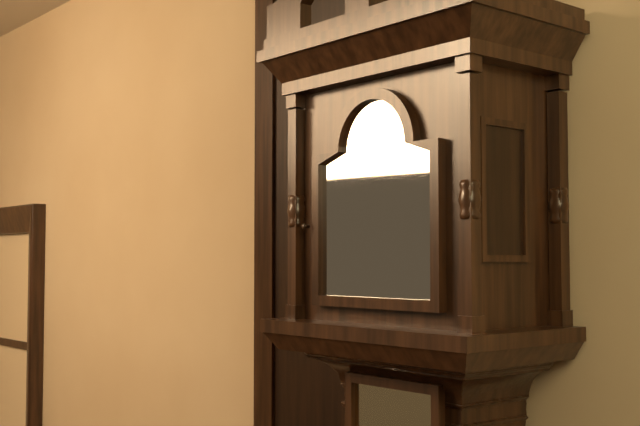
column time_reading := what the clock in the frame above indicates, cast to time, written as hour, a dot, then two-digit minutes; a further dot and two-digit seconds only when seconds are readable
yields 7.35
